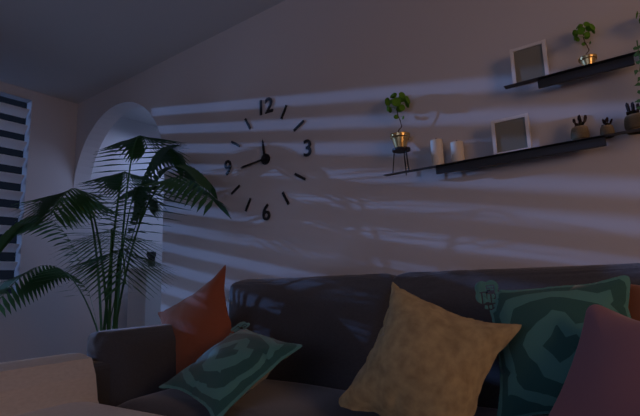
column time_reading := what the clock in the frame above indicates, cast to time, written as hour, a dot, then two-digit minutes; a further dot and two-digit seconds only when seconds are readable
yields 11.44
